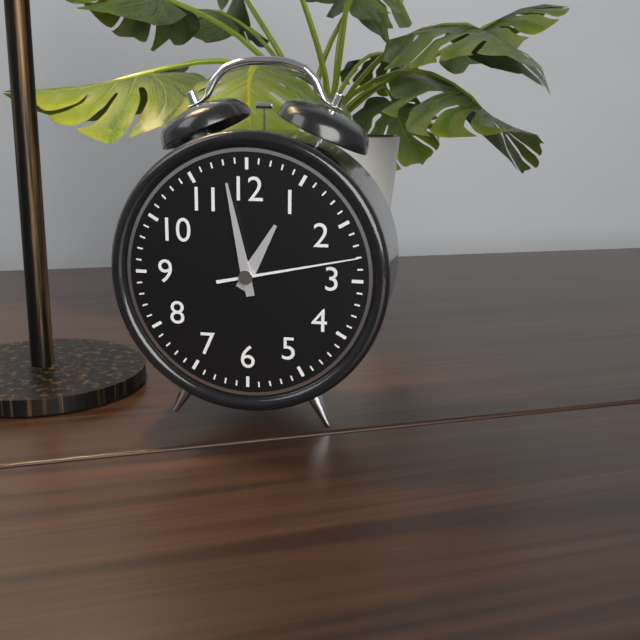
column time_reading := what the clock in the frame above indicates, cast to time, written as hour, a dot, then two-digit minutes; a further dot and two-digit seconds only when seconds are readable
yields 12.58.13
